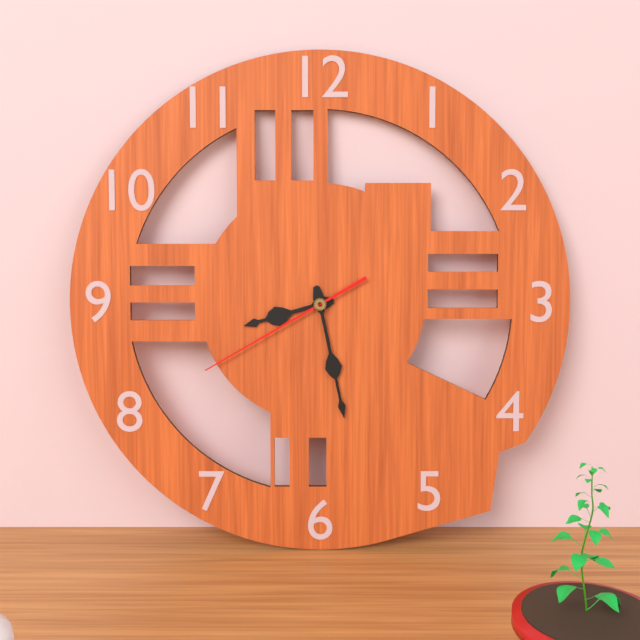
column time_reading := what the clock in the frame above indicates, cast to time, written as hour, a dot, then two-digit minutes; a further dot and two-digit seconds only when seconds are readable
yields 8.28.40
